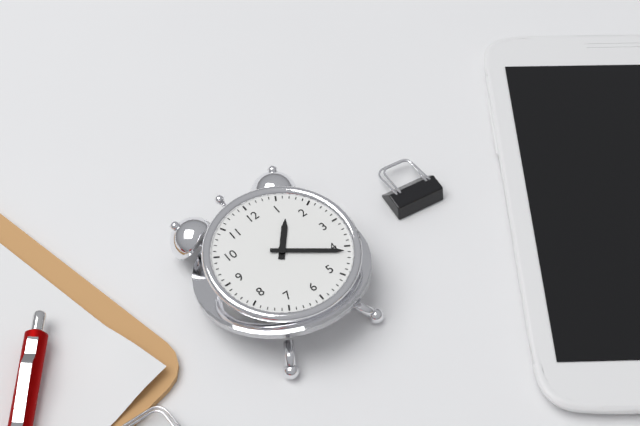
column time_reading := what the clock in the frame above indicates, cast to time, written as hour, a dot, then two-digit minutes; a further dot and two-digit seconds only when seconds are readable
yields 1.21
